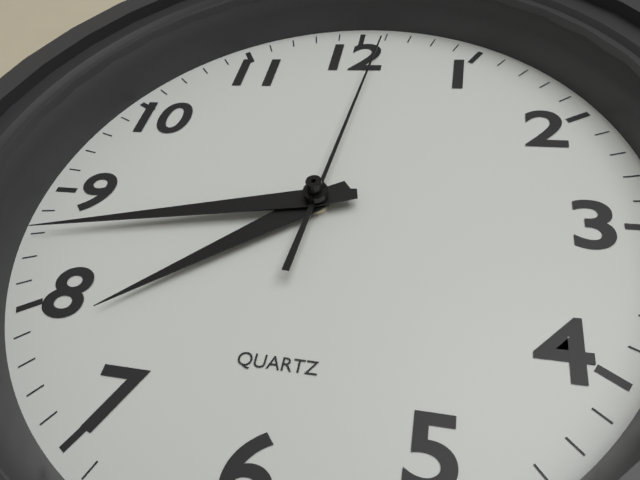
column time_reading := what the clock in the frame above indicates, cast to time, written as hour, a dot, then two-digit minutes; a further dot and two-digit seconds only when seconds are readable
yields 7.43.01
